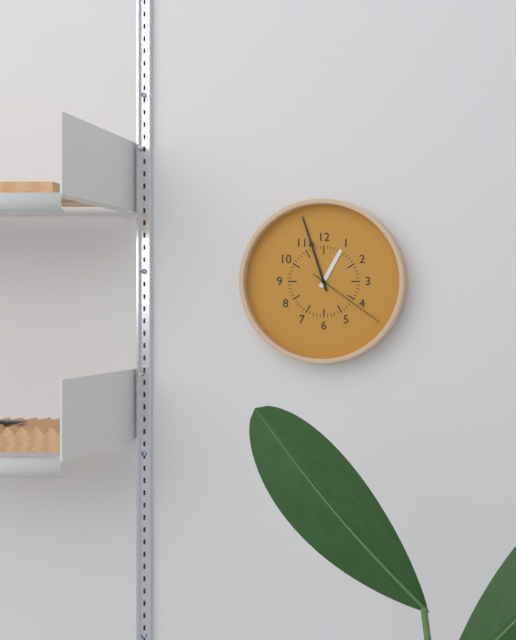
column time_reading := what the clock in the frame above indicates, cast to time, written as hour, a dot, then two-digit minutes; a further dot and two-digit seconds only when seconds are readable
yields 12.57.21
